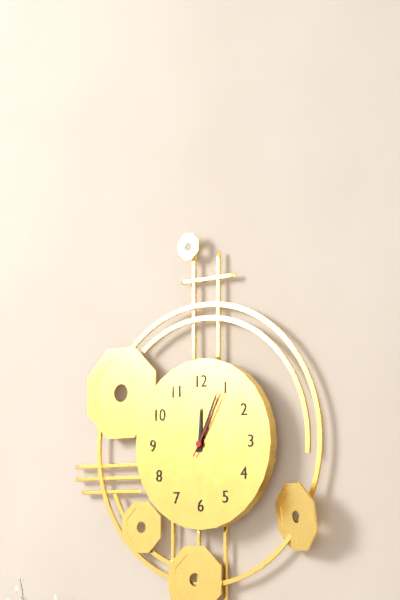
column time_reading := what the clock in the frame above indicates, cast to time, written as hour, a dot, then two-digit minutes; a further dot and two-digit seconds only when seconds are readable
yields 12.04.05
